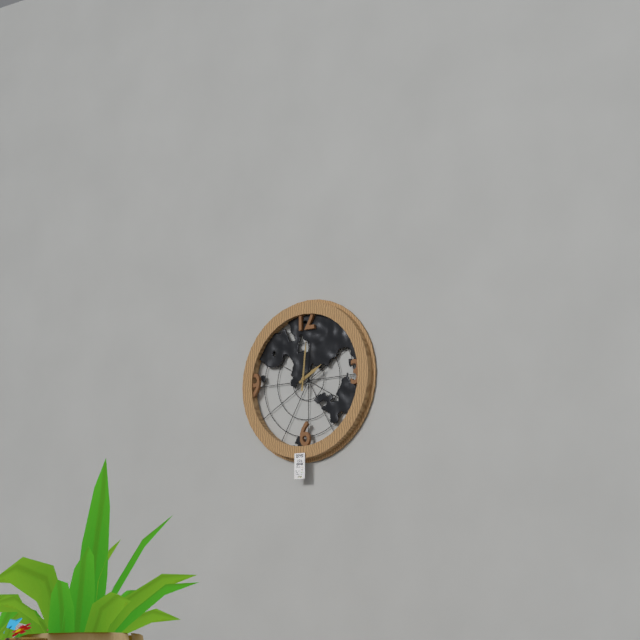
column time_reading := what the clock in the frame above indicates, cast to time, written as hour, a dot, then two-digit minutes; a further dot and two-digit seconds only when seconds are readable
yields 2.01
